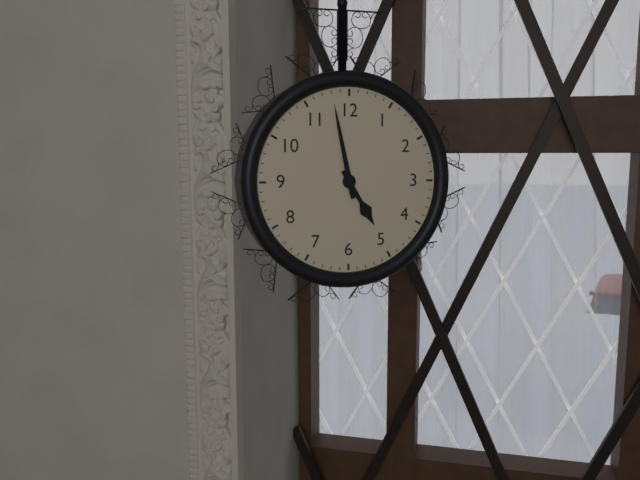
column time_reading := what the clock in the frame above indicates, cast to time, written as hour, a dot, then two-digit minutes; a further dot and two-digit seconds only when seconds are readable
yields 4.58
